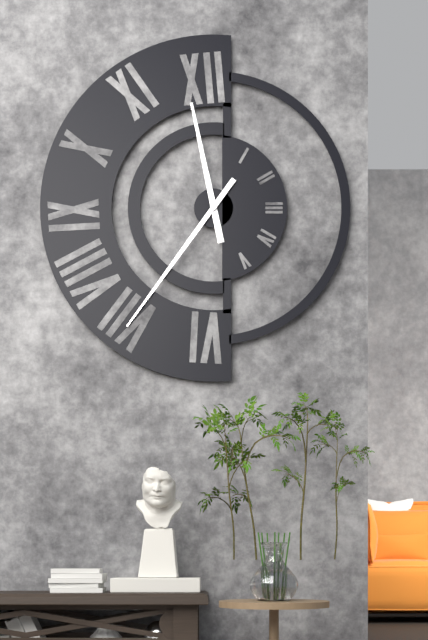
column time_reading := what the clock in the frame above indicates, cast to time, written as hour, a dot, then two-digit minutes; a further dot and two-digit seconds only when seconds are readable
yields 11.36
